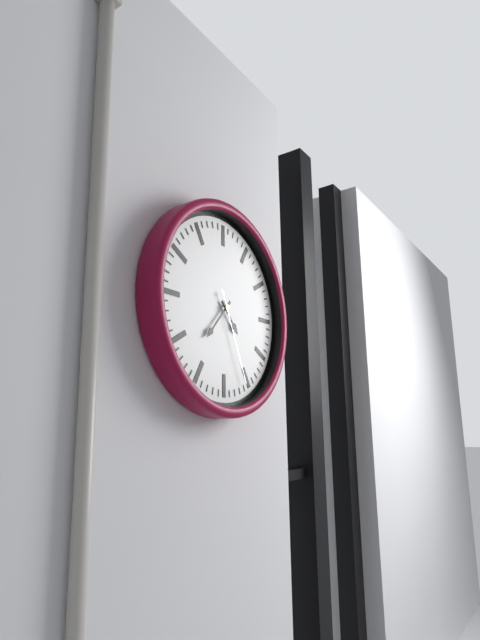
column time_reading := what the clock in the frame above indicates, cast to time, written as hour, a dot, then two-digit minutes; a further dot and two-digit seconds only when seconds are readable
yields 4.37.26
